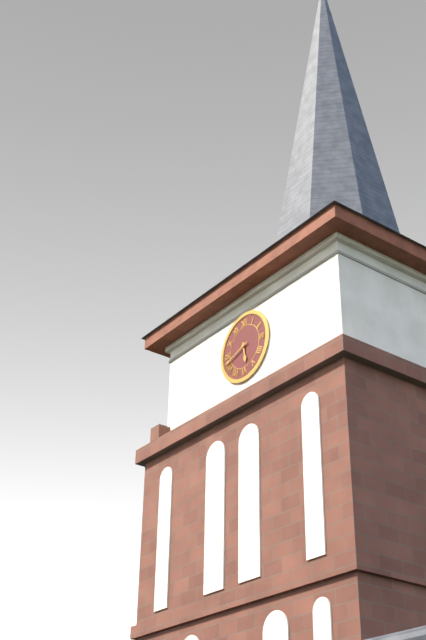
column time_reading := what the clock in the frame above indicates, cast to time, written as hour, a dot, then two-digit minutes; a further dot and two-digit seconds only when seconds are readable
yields 5.42
